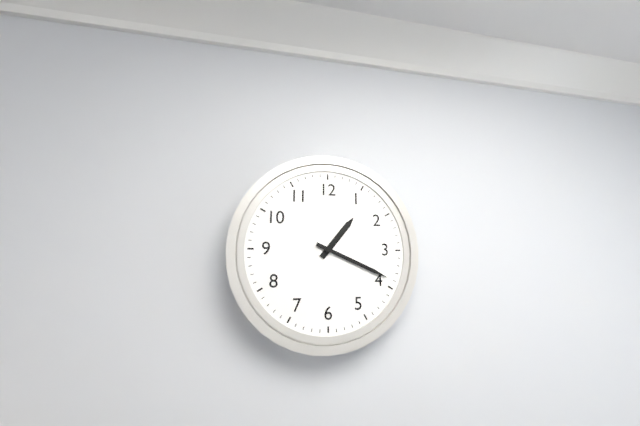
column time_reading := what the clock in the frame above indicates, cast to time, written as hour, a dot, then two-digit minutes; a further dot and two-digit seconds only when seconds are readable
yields 1.19
